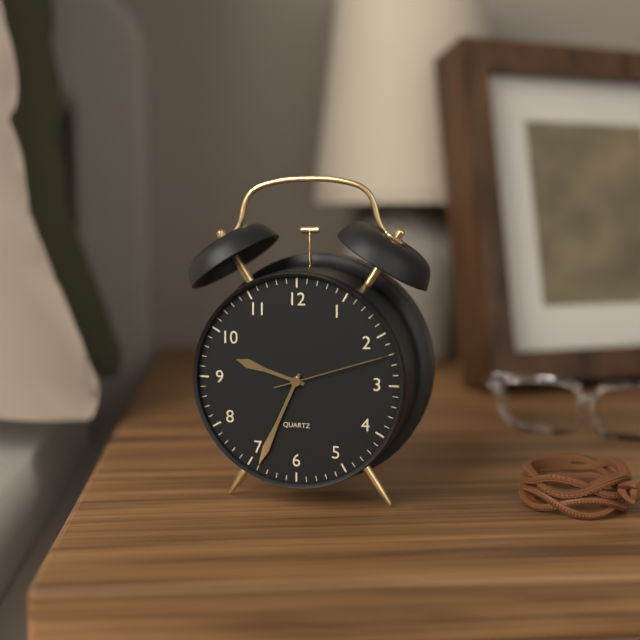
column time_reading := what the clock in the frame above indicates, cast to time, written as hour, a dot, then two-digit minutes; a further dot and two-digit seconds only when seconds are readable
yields 9.34.12
